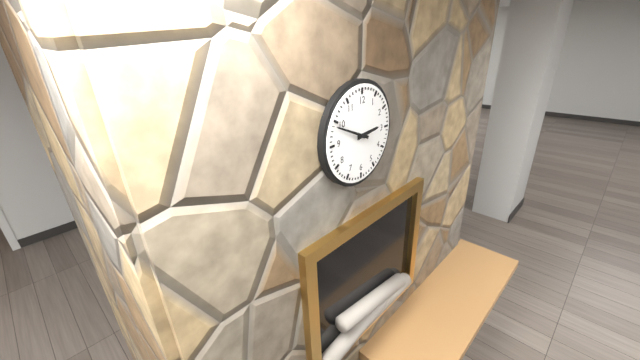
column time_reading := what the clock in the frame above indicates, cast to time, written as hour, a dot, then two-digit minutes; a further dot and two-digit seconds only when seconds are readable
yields 2.49
